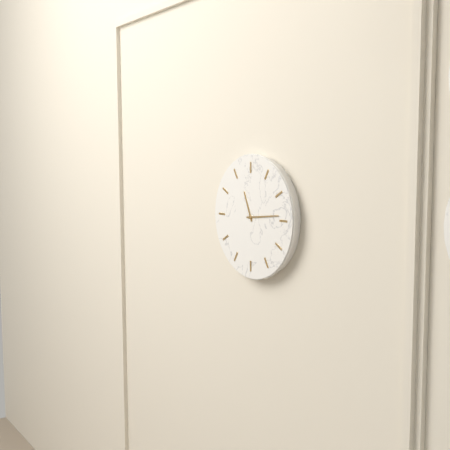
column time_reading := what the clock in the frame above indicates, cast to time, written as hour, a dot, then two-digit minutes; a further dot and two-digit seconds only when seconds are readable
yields 11.14
